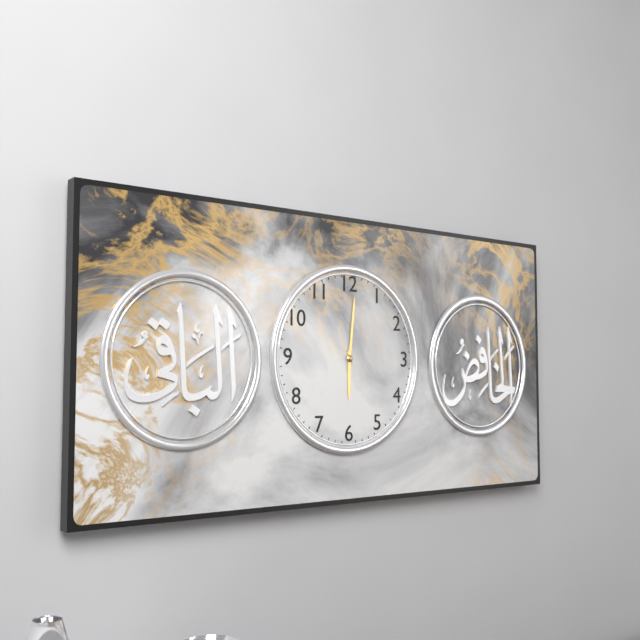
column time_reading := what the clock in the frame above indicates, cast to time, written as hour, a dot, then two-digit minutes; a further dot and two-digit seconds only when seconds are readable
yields 6.01
